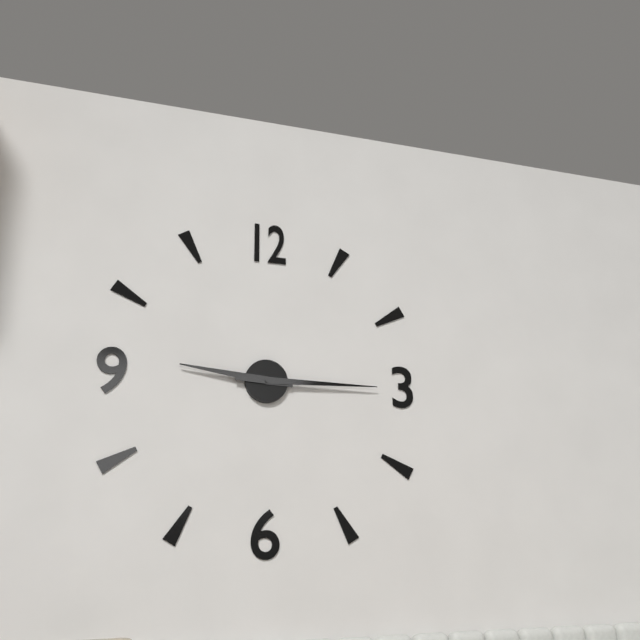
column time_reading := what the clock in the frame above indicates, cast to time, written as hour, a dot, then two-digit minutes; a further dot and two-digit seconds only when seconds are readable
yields 9.15
